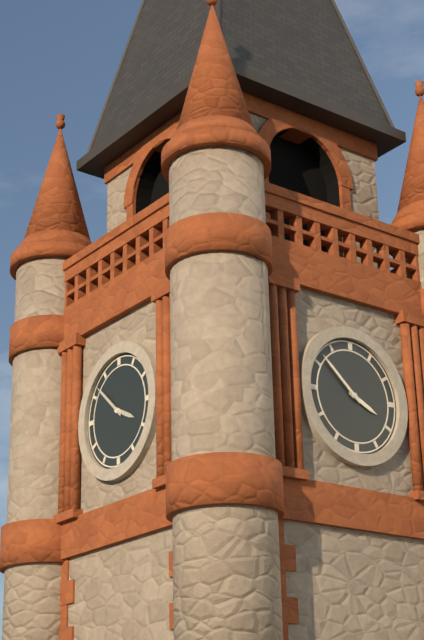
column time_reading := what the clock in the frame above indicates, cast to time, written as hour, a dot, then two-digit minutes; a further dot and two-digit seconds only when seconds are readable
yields 3.52
